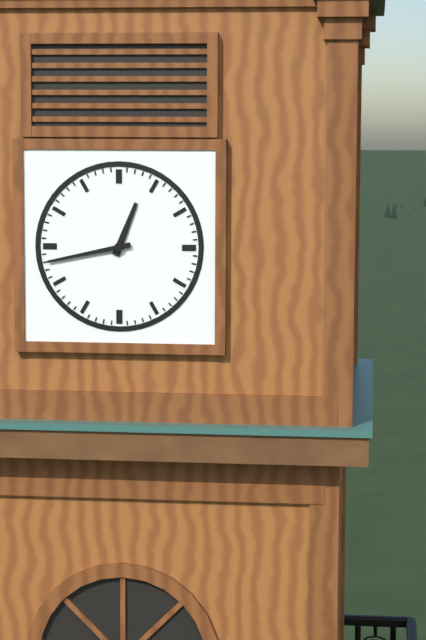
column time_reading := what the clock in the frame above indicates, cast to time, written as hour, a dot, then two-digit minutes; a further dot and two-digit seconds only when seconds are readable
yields 12.43
